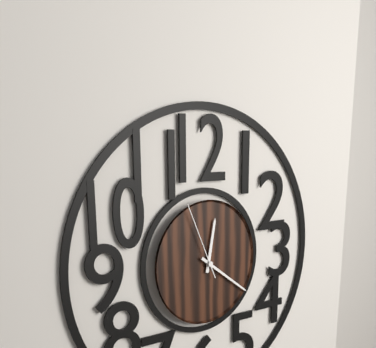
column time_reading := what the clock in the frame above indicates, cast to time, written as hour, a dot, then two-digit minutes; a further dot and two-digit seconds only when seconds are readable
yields 12.21.56
